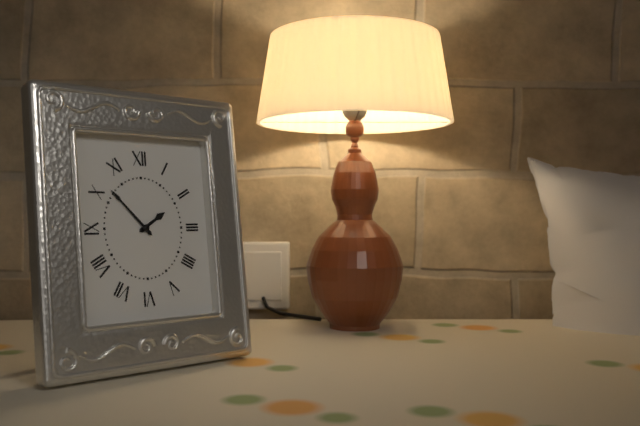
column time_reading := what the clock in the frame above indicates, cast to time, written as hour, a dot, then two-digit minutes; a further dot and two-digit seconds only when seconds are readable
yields 1.53
